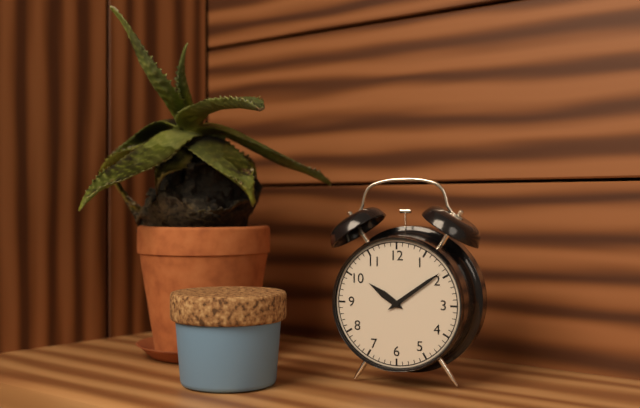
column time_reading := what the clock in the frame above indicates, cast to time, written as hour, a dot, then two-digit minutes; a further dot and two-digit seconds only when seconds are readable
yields 10.09
